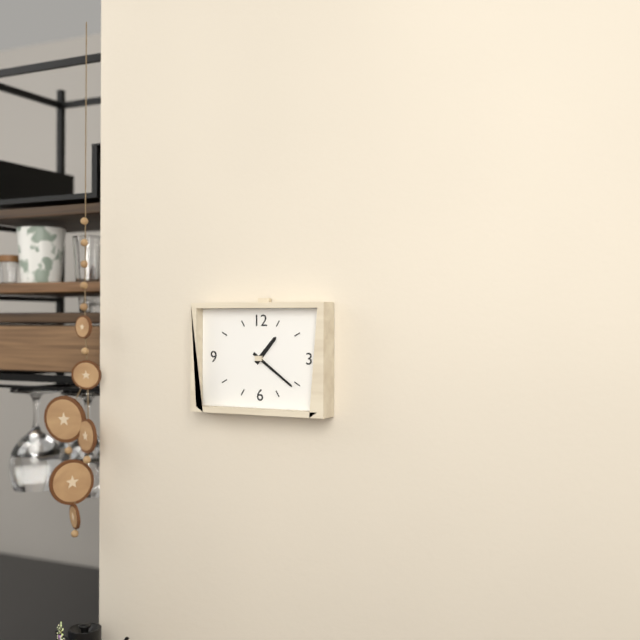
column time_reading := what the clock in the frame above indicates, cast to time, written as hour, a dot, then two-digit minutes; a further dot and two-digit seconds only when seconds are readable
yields 1.21
